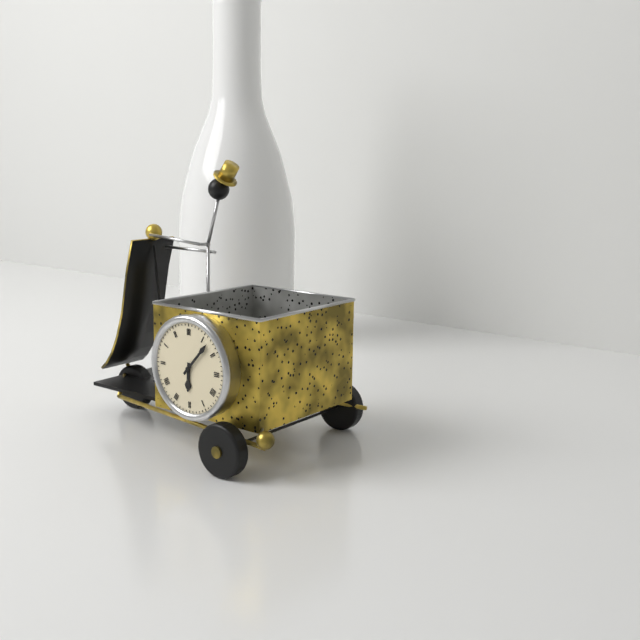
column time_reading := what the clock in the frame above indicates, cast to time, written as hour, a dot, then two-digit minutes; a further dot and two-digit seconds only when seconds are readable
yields 6.07
